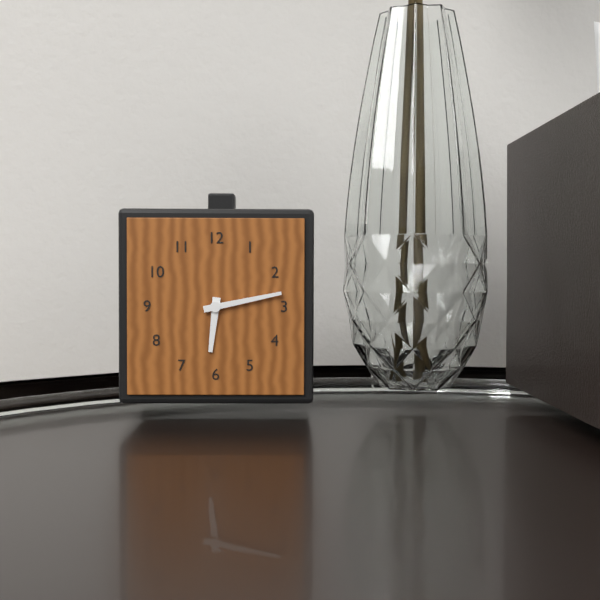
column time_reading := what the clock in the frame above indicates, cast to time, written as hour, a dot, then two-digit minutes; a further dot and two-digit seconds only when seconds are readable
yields 6.13
